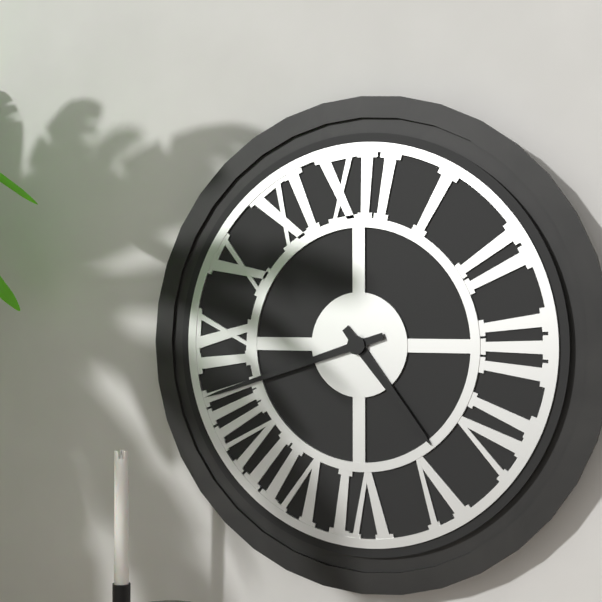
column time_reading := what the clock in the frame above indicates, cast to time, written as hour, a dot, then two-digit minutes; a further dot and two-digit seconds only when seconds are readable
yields 4.42
